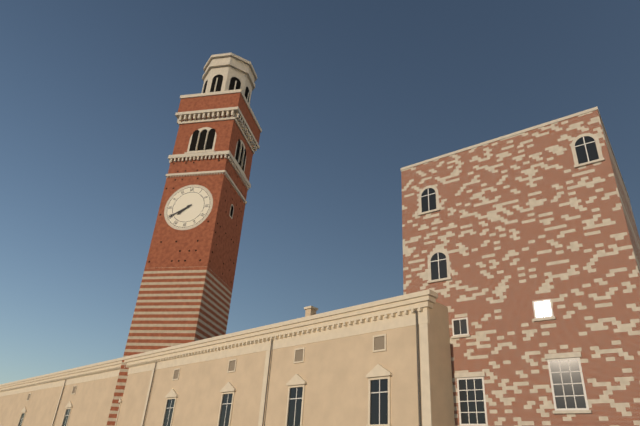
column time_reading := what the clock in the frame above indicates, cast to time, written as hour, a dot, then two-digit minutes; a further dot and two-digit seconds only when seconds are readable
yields 7.40
